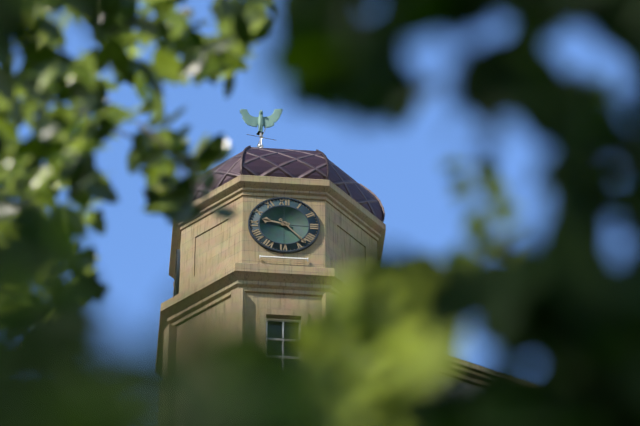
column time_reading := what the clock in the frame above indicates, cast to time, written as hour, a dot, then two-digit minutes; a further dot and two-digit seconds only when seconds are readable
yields 9.23
